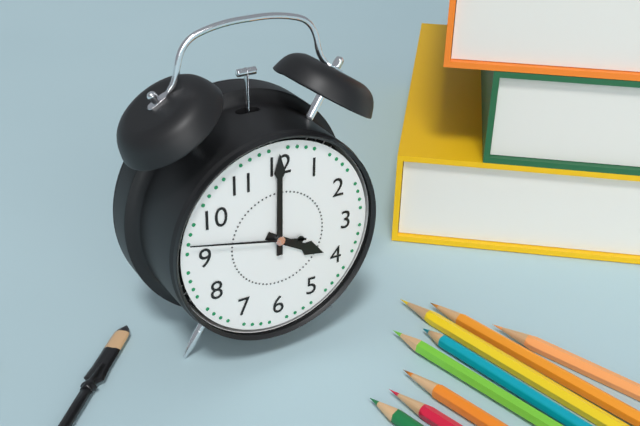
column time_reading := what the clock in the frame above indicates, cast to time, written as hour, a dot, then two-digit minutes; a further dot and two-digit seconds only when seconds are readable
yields 4.00.47
